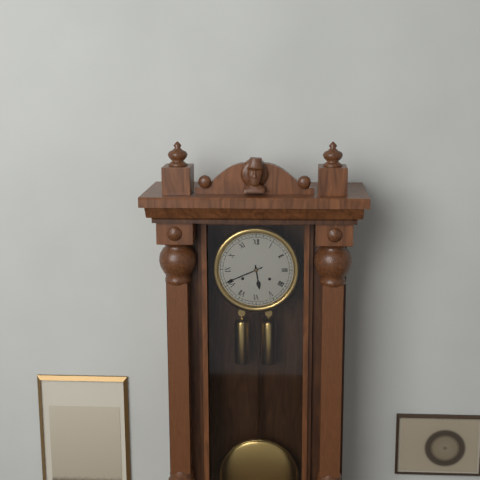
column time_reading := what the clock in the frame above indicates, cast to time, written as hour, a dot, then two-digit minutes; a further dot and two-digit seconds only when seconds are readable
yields 5.41
